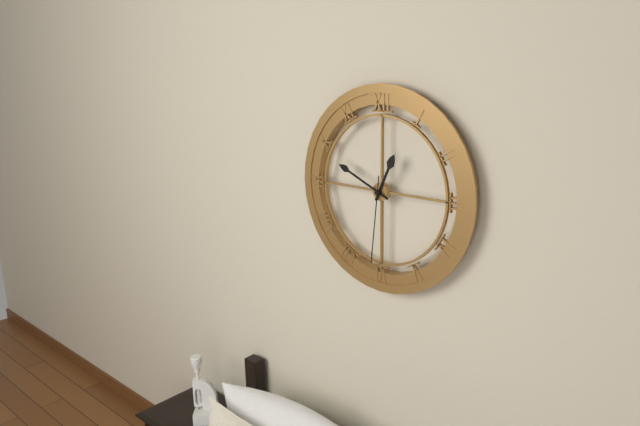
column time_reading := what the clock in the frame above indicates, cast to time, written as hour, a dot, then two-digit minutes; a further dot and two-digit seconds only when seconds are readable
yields 12.49.31
